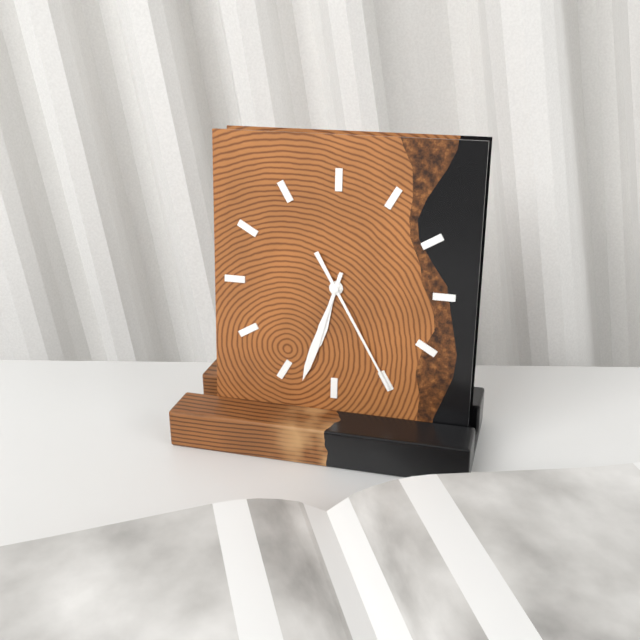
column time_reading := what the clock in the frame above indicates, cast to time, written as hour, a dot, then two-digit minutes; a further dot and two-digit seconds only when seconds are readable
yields 6.33.25
